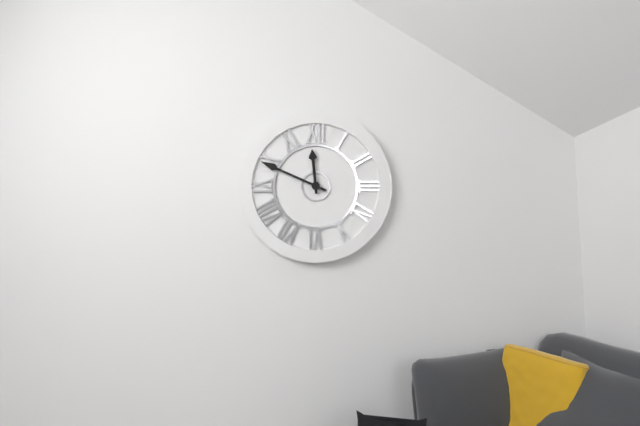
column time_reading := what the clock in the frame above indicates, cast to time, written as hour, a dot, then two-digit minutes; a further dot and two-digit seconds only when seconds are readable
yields 11.49
